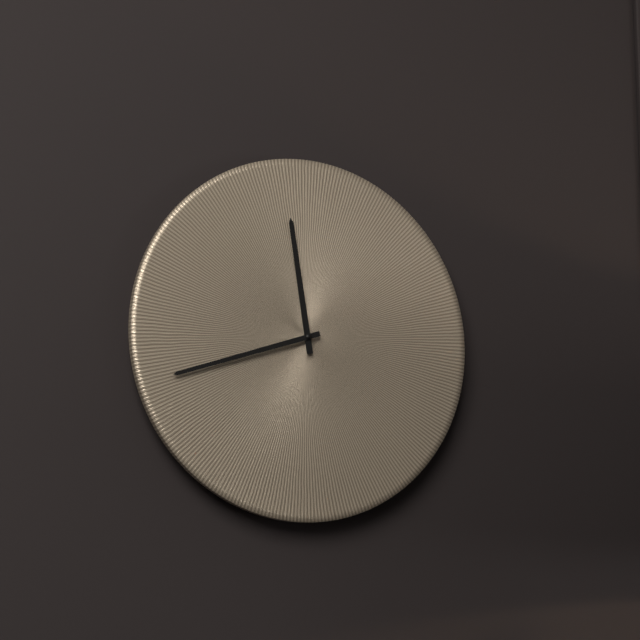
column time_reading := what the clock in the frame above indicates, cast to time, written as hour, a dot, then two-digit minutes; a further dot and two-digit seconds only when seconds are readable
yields 11.42
